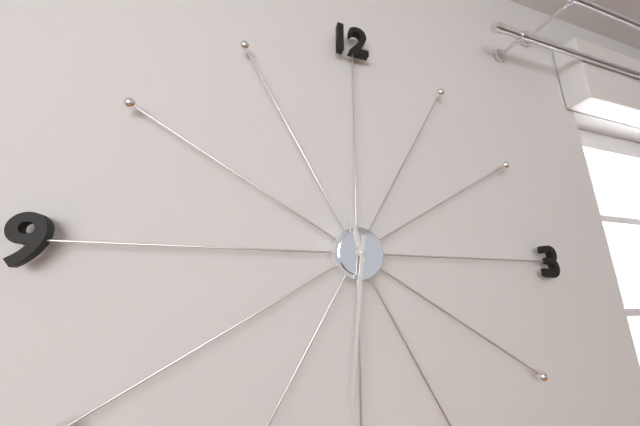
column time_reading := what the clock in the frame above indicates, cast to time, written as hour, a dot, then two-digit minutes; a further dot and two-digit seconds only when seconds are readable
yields 11.31
